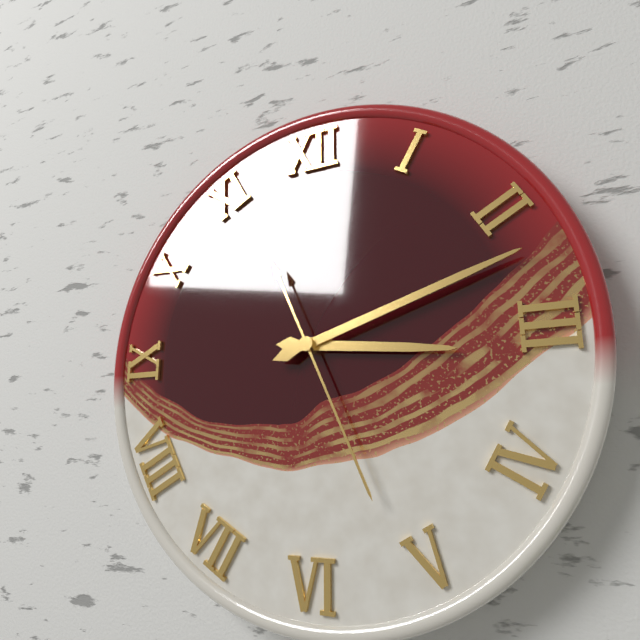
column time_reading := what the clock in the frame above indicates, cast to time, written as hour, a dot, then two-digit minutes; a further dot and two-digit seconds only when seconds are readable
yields 3.12.26
